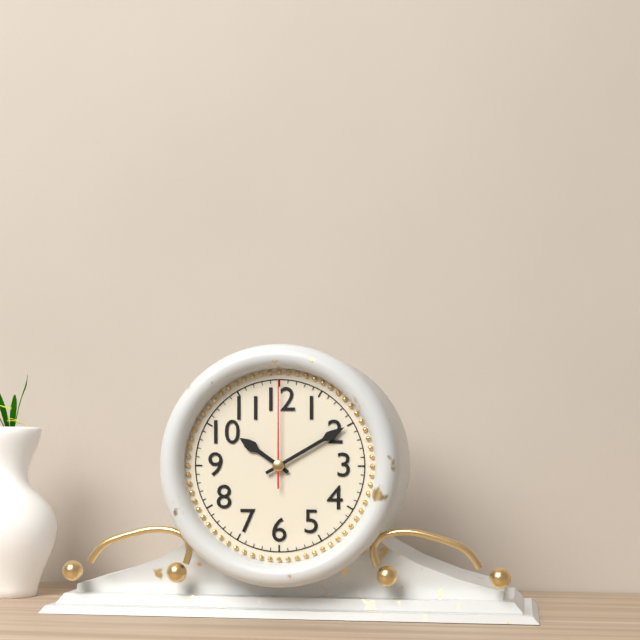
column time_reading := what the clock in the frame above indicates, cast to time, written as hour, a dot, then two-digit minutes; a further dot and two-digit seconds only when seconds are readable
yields 10.10.00
